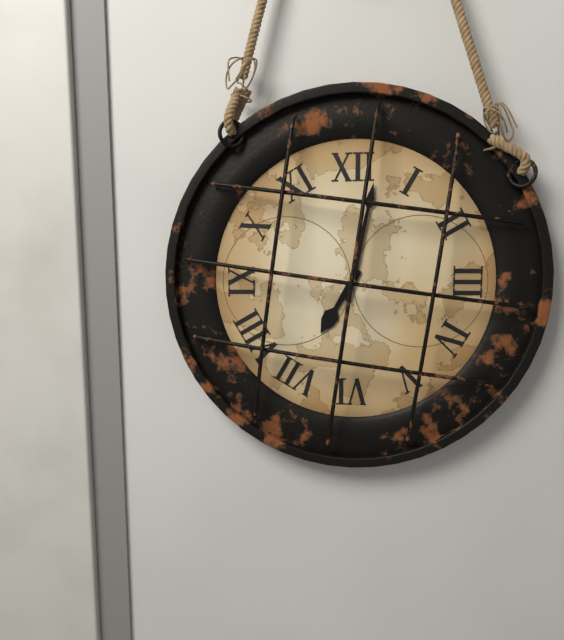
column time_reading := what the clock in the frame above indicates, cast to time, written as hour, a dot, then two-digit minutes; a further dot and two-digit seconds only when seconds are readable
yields 7.02
